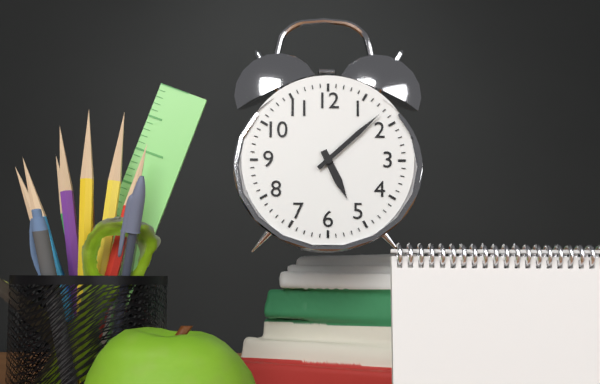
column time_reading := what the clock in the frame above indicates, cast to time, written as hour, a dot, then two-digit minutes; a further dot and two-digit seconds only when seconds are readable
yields 5.08
